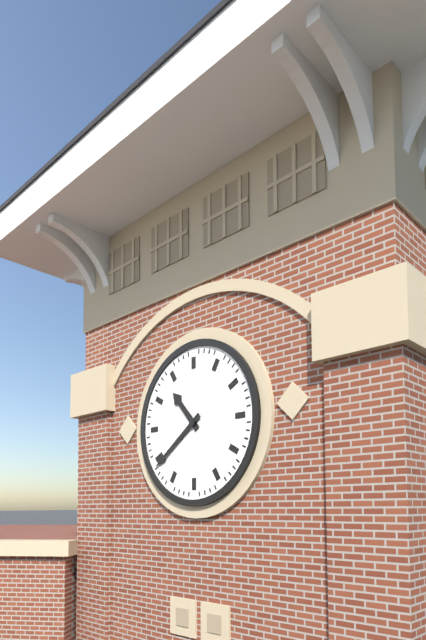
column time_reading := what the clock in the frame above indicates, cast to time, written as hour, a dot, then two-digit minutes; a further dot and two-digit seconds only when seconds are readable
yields 10.39
